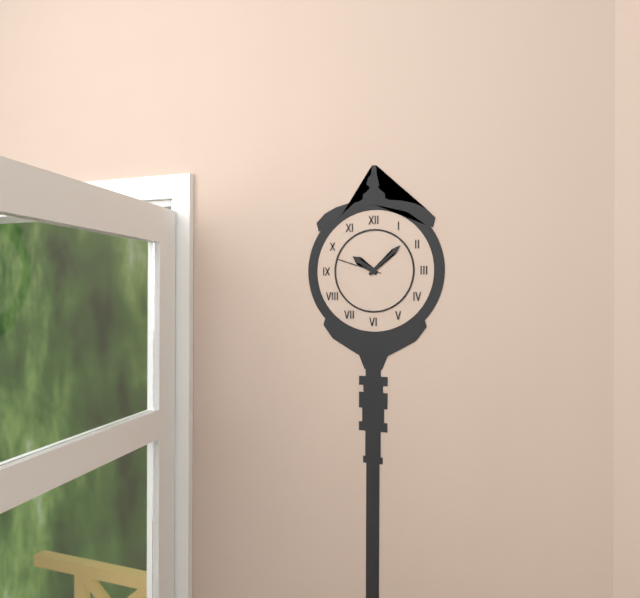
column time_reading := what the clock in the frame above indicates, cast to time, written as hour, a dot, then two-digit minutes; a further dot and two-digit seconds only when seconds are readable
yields 10.08
